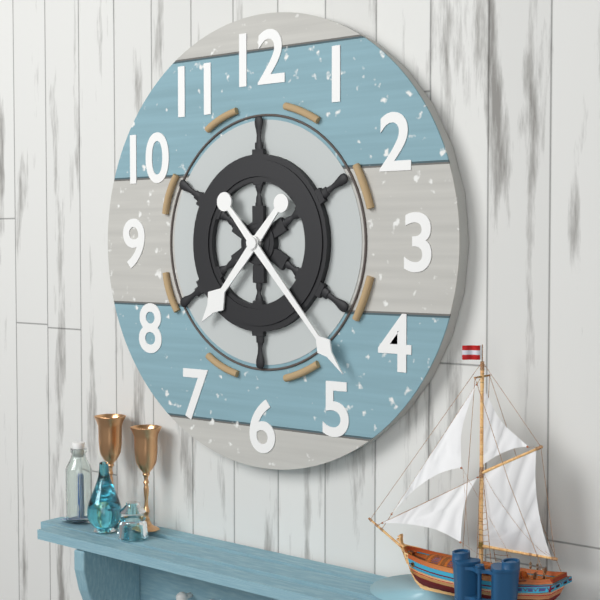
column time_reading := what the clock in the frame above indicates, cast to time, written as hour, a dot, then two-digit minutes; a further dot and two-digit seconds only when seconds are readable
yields 7.23
